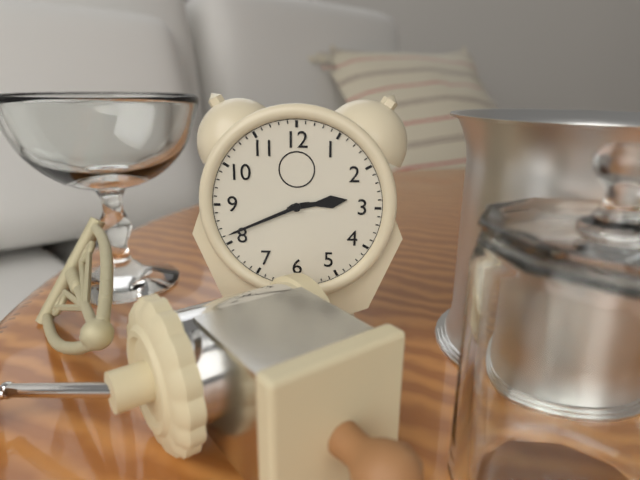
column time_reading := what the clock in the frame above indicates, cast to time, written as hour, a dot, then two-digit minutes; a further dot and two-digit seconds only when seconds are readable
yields 2.41
